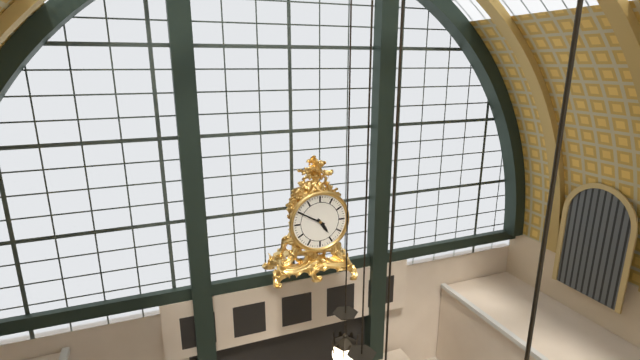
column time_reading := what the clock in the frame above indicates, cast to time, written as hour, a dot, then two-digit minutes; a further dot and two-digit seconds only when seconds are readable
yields 4.50
